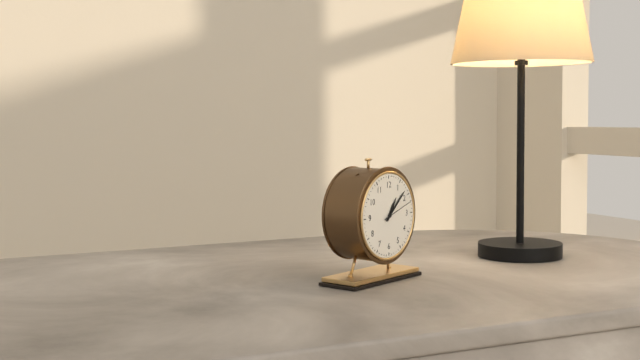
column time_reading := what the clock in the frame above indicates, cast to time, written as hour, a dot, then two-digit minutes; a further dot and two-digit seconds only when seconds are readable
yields 1.08
